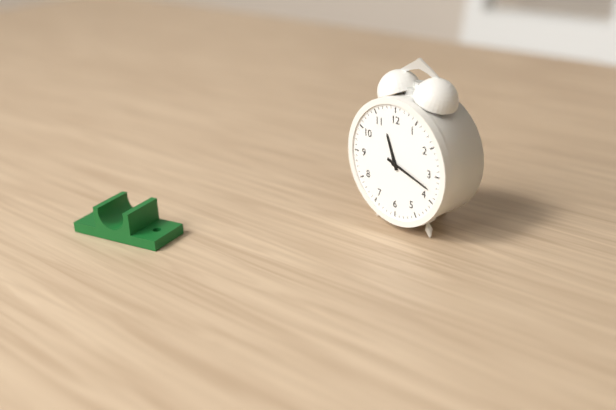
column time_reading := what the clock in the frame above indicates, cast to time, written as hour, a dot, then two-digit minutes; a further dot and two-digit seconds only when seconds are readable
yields 11.18
